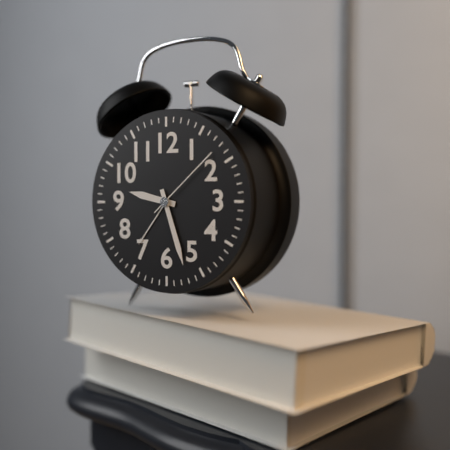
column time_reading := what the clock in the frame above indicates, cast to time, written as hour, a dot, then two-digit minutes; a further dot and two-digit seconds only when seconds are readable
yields 9.27.08
